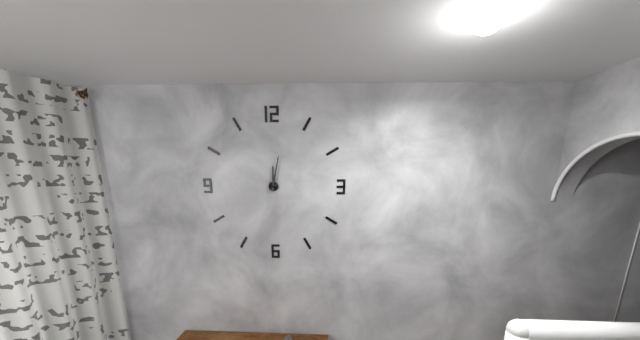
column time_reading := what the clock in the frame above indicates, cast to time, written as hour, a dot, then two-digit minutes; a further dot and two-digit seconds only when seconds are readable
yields 12.02
